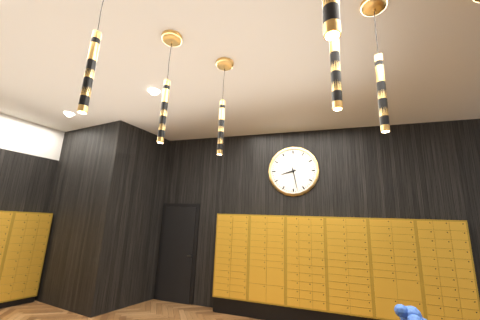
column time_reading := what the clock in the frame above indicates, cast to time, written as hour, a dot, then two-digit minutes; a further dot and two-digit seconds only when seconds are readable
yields 8.28
